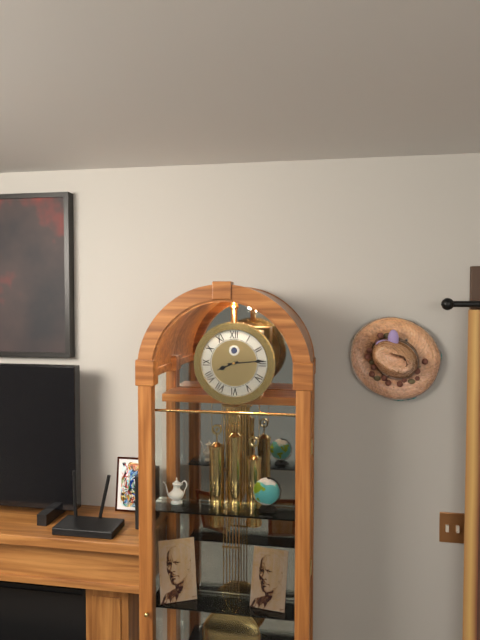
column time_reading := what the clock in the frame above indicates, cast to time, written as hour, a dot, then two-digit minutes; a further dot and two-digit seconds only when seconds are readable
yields 8.14
